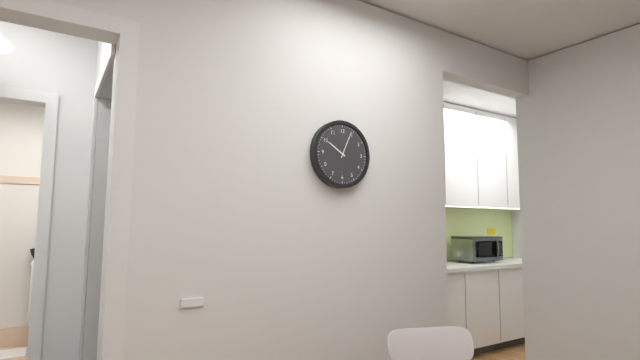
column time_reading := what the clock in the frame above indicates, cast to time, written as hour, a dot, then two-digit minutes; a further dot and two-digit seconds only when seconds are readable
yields 10.04
